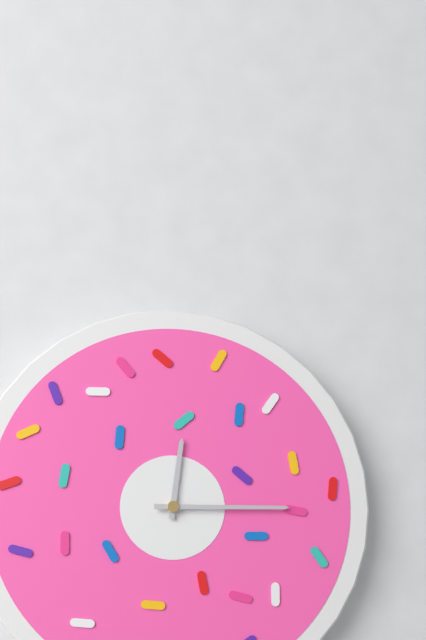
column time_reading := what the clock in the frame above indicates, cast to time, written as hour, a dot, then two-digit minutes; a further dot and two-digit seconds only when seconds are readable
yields 12.15
